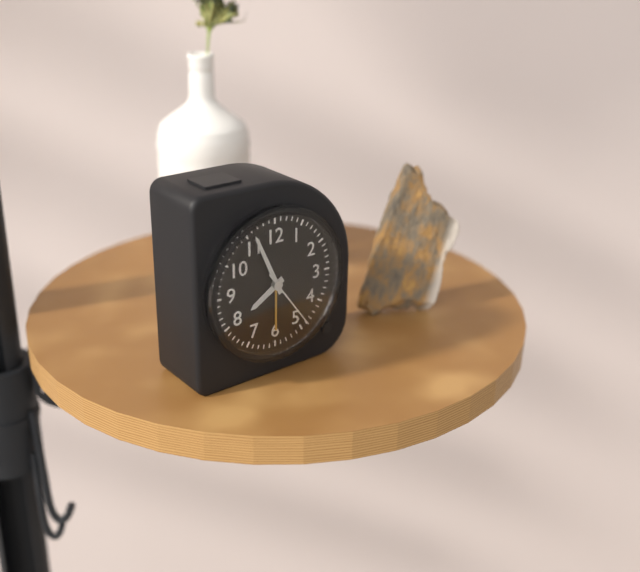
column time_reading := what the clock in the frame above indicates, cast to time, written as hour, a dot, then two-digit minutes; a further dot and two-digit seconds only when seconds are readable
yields 7.56.24
